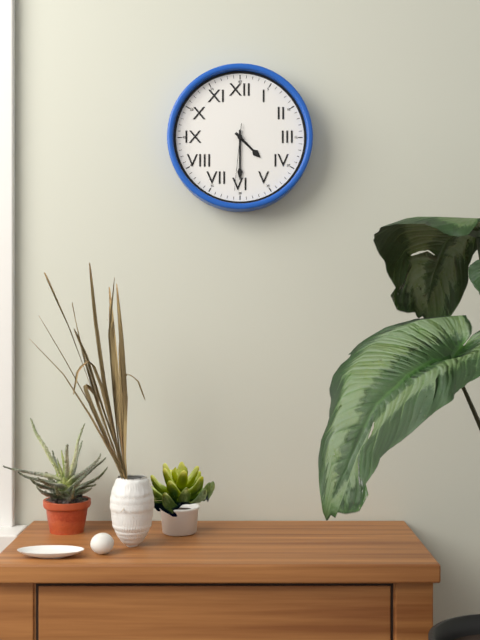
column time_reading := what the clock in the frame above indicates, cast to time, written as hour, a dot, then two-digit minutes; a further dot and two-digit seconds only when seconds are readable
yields 4.30.31
